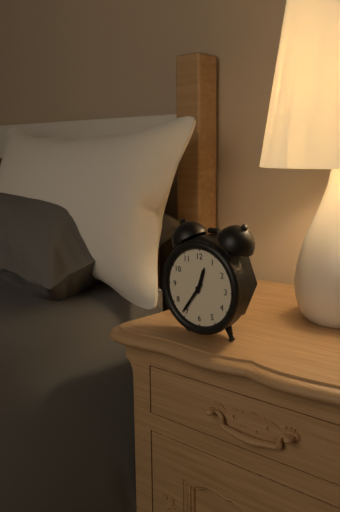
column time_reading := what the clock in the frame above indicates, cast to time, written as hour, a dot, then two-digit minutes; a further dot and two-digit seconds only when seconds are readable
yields 12.36
